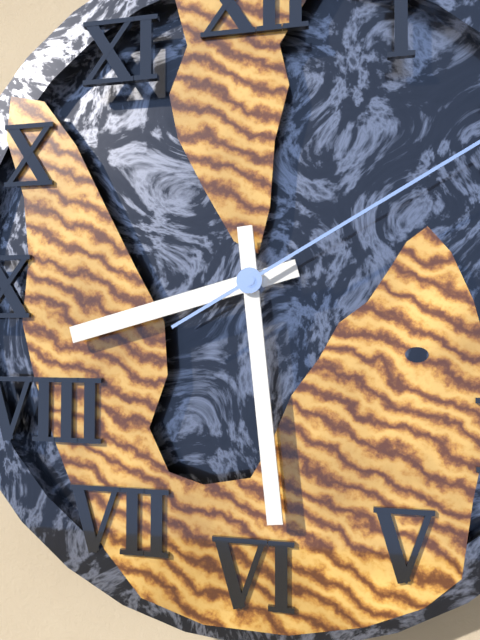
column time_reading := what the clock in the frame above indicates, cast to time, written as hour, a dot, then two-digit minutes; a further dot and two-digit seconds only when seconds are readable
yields 8.29
